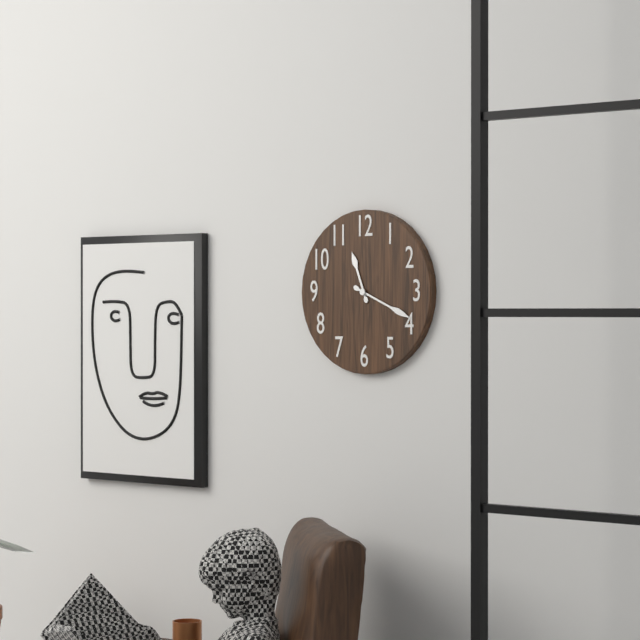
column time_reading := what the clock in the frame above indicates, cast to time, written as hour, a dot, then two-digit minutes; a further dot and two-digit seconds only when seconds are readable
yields 11.19
